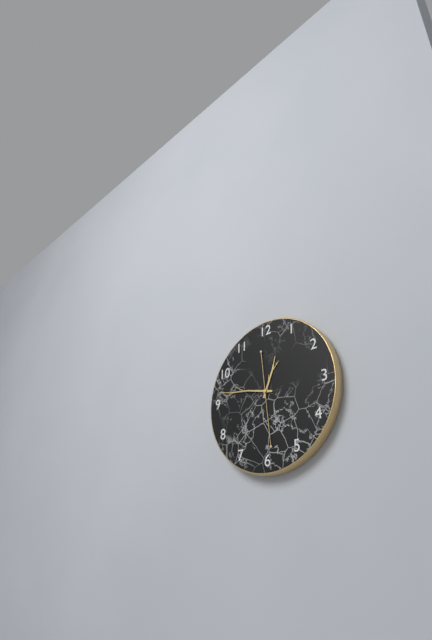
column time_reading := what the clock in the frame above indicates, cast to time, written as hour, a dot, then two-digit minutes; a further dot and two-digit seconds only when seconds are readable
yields 12.47.29
